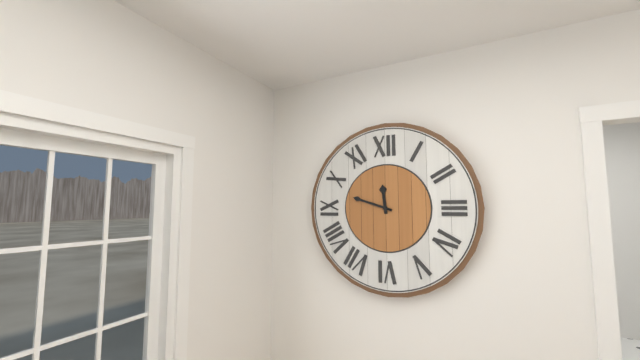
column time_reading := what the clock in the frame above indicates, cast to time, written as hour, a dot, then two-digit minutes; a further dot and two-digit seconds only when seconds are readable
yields 11.48
